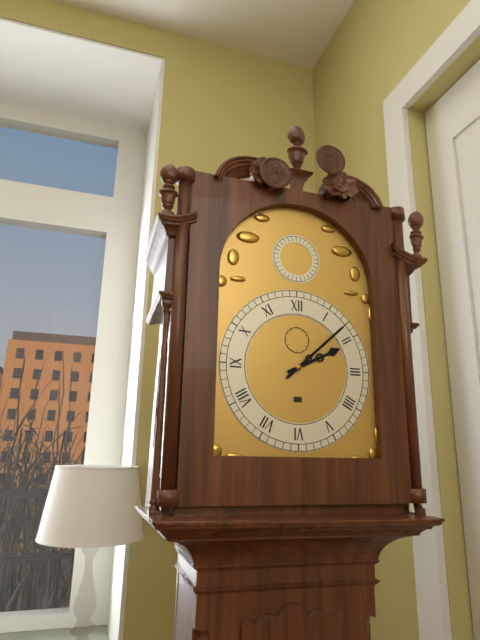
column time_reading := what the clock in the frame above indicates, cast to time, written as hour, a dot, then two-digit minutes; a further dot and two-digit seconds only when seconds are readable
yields 2.08
